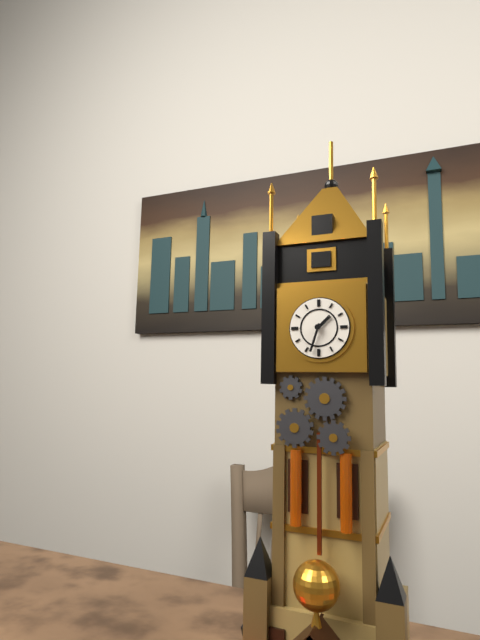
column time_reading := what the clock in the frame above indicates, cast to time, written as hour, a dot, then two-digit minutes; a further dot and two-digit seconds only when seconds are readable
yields 1.33
